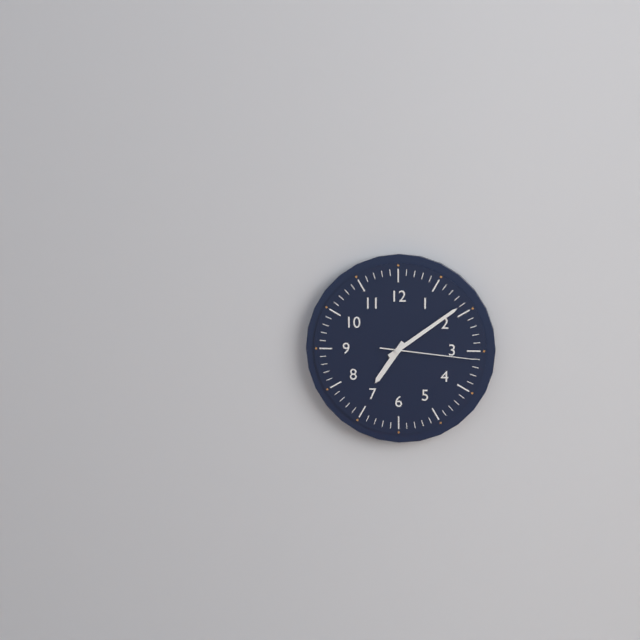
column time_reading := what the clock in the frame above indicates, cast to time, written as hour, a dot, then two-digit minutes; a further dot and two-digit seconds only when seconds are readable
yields 7.09.16
